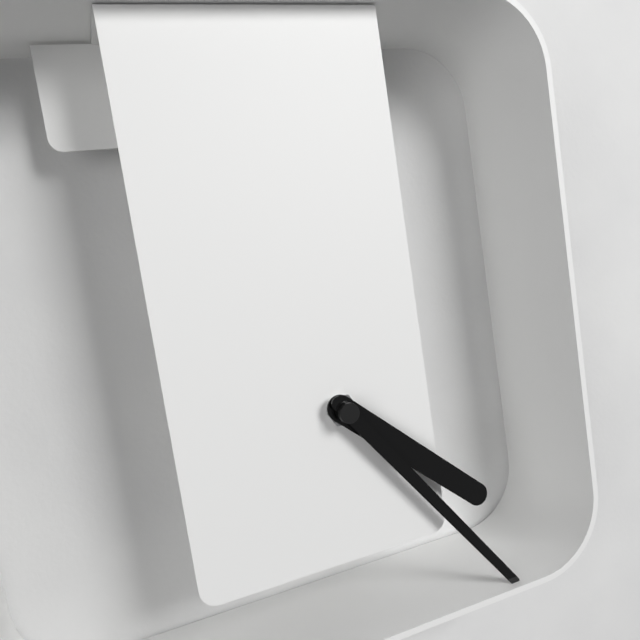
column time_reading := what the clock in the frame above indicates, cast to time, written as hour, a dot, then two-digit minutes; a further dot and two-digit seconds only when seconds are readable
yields 4.24
